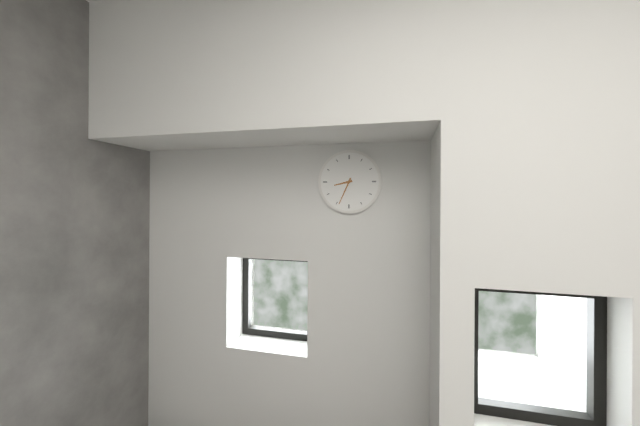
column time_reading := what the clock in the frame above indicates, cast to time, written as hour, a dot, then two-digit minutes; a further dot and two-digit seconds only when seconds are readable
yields 8.34
